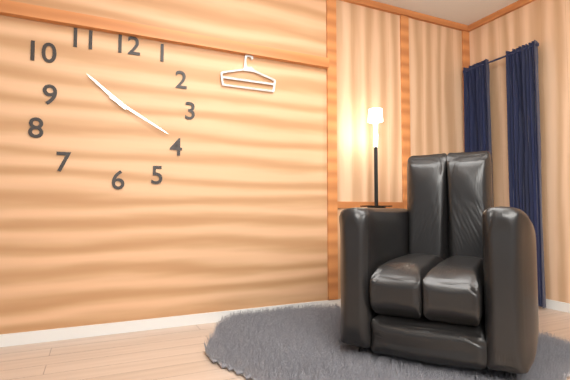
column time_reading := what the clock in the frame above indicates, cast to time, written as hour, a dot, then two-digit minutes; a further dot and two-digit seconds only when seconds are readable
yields 10.20
